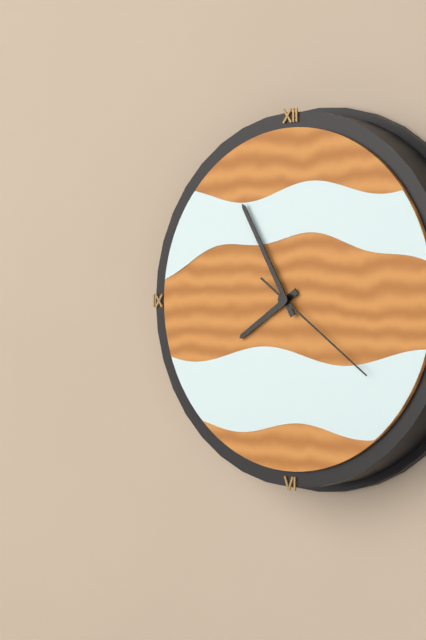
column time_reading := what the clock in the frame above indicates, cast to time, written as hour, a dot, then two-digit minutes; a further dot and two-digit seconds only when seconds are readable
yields 7.55.21
